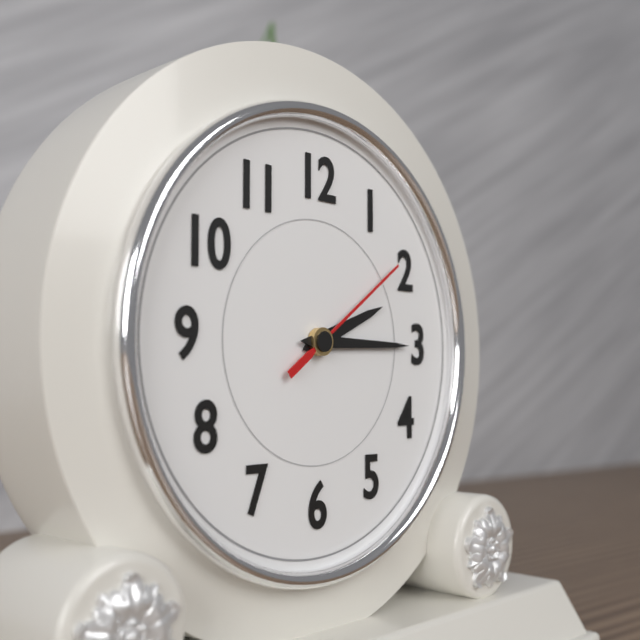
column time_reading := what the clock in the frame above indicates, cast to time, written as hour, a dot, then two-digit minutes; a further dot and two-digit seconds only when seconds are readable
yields 2.15.09
